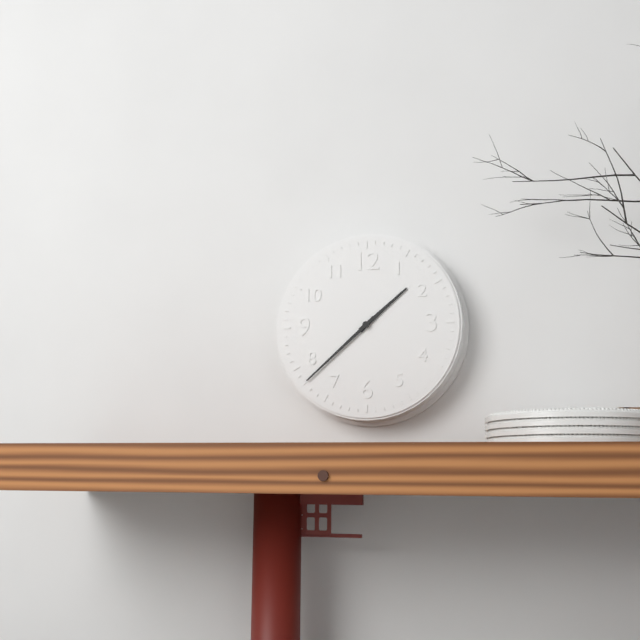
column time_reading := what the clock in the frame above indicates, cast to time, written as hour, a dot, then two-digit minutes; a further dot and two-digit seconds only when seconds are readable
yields 1.38
